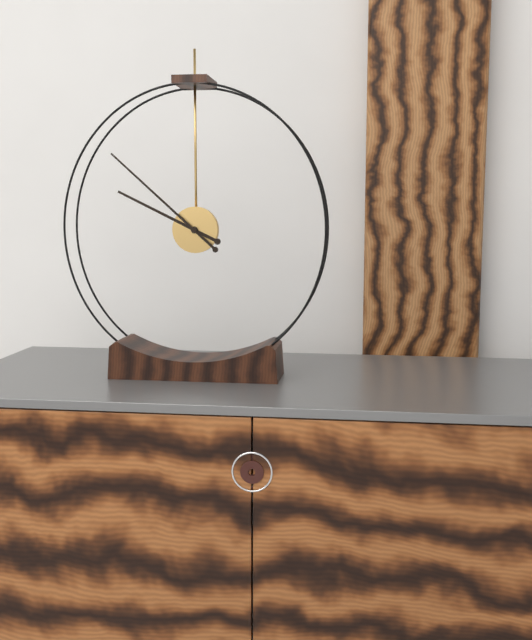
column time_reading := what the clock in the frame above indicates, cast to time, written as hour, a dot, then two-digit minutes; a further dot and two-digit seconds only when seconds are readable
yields 9.52
